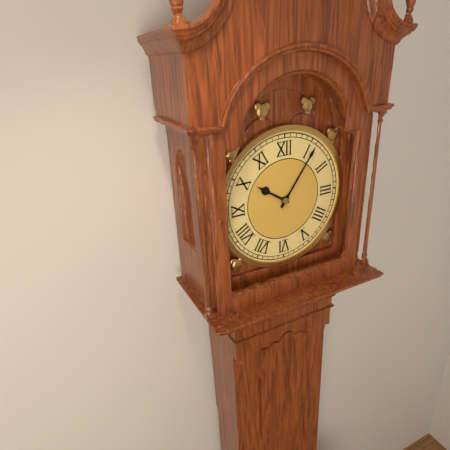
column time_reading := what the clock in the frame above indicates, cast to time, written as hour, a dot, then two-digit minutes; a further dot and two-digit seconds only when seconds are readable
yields 10.06
